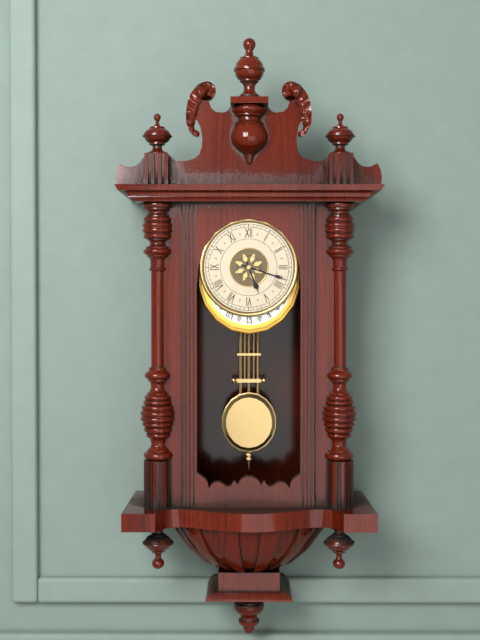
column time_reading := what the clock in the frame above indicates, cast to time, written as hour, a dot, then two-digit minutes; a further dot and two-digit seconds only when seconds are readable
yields 5.18
